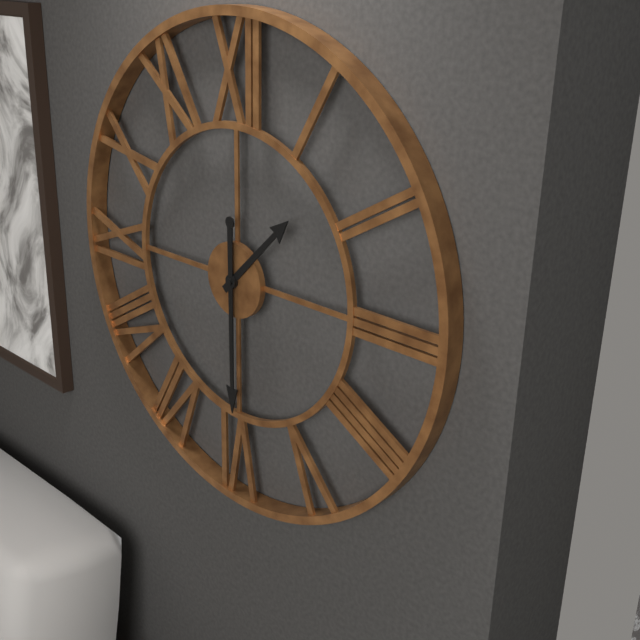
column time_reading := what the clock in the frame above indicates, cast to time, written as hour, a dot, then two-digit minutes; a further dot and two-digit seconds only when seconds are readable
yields 1.30
